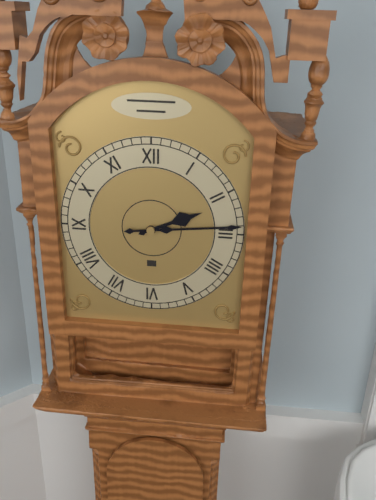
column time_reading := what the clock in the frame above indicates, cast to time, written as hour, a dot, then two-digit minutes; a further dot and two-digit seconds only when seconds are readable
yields 2.14
